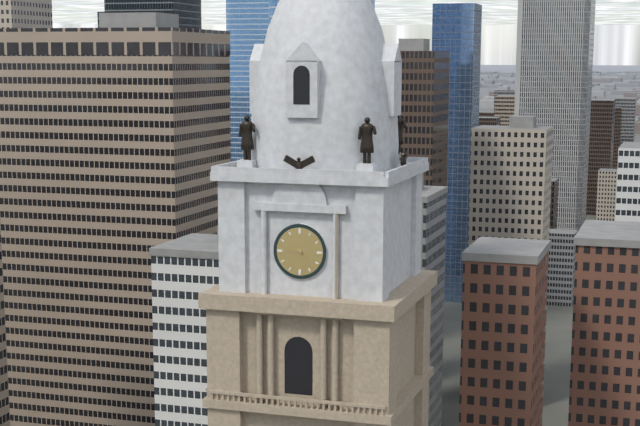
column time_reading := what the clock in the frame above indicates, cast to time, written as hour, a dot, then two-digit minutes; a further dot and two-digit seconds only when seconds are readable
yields 9.24
